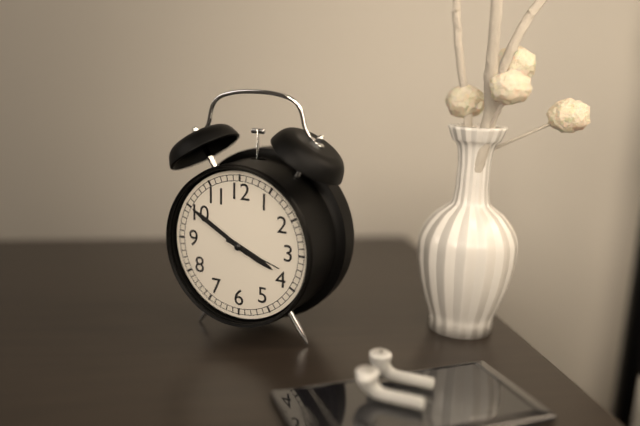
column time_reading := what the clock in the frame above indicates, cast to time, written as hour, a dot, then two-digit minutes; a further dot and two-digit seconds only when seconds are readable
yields 3.50.18
